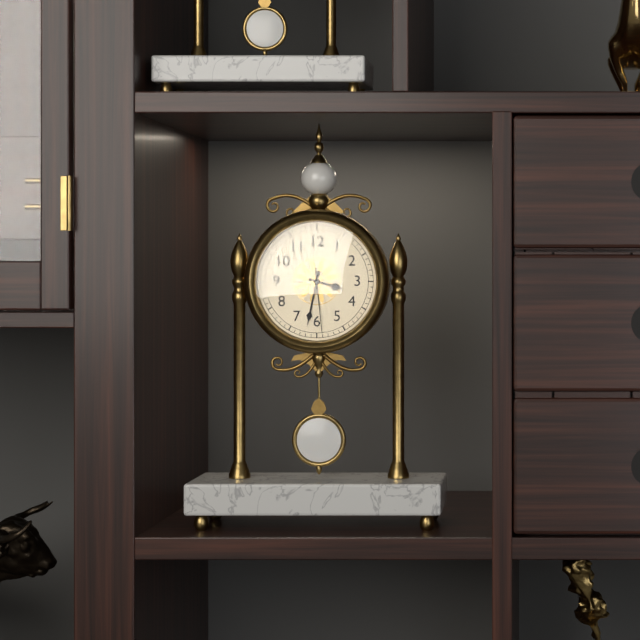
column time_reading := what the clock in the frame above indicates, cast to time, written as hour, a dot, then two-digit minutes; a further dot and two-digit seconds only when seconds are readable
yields 3.32.29
